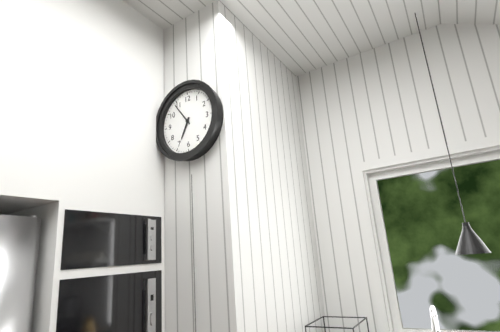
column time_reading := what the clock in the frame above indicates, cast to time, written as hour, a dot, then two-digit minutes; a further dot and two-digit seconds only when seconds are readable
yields 6.54
